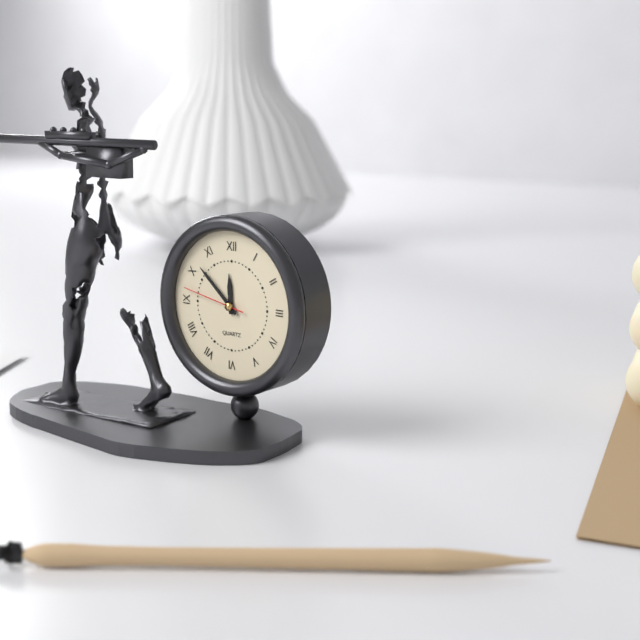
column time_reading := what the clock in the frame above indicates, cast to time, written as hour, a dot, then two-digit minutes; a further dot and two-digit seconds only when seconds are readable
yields 11.52.47
